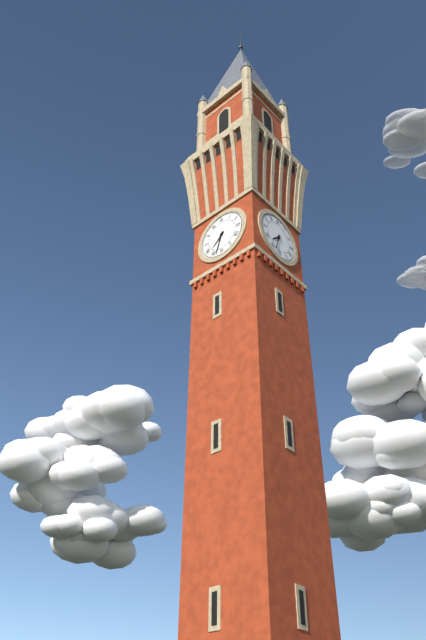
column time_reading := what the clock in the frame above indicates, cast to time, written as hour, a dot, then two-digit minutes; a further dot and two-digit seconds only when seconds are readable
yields 7.33
